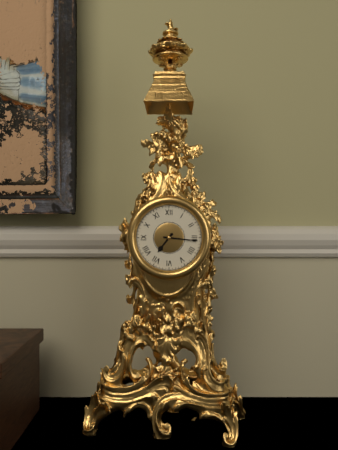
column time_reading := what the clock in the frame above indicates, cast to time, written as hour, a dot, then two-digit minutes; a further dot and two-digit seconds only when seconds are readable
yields 7.16
